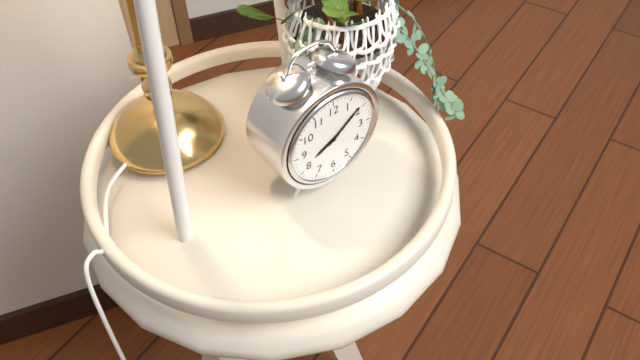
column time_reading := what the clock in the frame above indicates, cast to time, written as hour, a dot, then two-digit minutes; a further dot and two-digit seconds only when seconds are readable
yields 8.09
